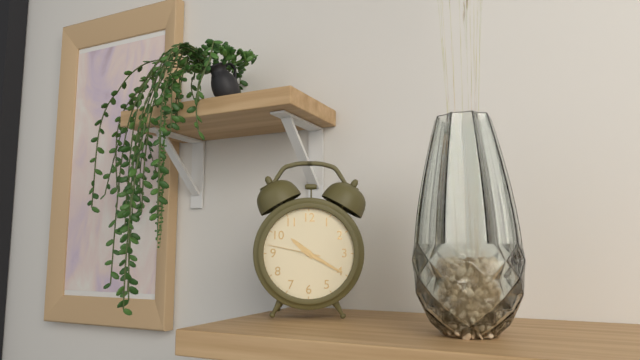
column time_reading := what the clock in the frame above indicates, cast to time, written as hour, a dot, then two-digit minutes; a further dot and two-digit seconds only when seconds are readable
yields 10.20.47
